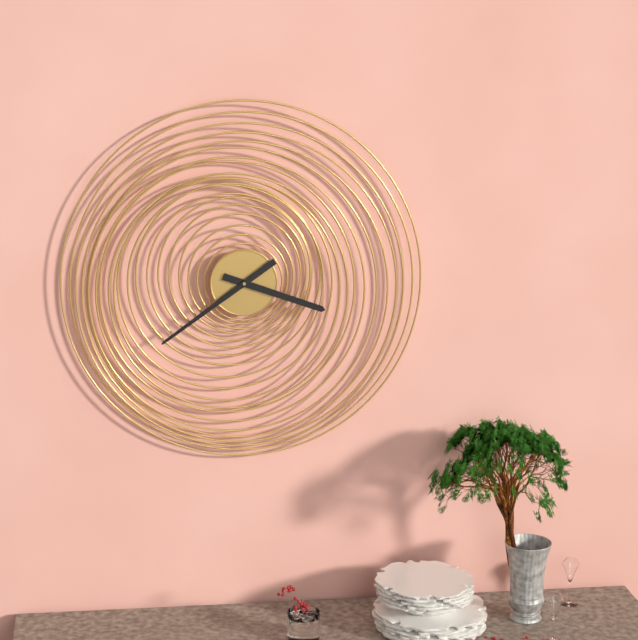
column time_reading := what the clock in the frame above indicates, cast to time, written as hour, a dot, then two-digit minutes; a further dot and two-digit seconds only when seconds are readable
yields 3.39
